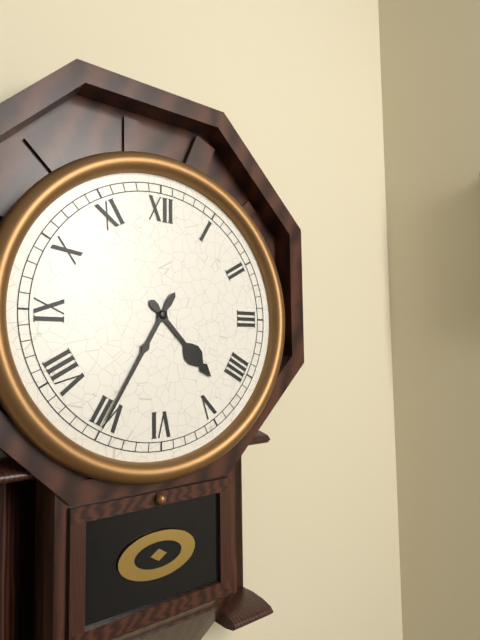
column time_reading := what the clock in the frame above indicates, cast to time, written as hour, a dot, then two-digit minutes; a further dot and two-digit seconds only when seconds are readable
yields 4.35
